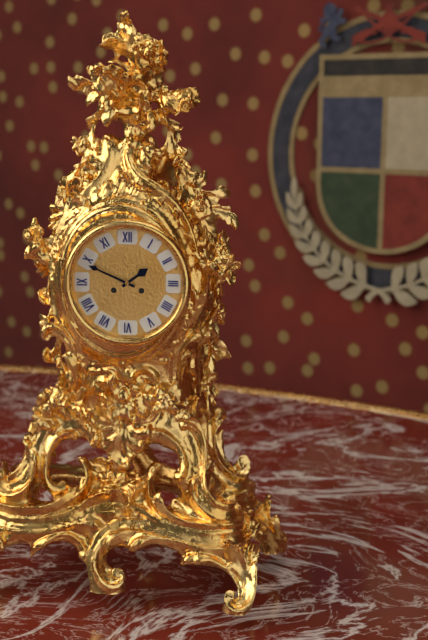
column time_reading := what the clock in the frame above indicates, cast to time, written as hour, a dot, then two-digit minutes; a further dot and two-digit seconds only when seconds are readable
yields 1.49
